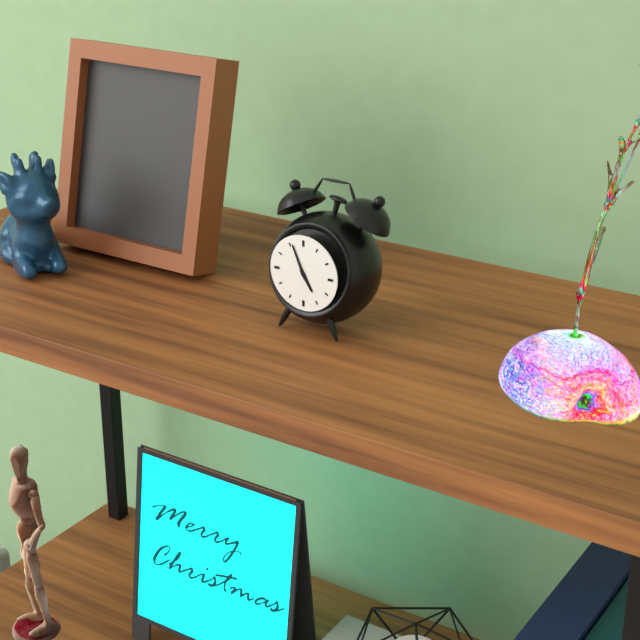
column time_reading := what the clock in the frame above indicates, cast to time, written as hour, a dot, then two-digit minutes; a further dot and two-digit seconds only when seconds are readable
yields 4.56
